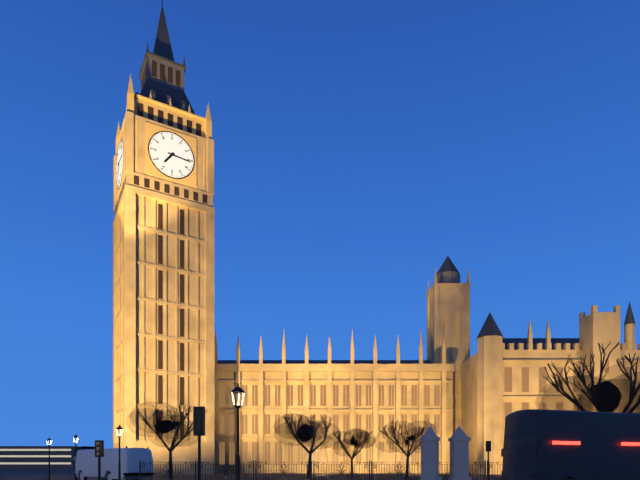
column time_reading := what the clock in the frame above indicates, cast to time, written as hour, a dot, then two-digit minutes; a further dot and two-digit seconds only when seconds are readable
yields 7.16
